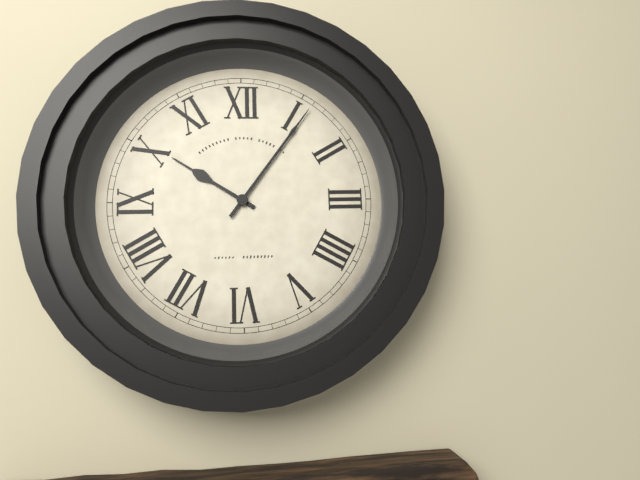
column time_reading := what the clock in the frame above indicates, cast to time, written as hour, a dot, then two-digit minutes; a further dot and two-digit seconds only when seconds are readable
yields 10.06
